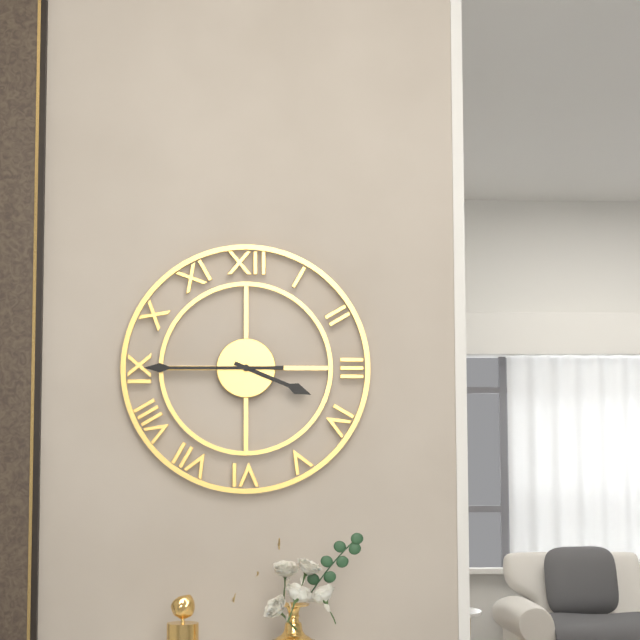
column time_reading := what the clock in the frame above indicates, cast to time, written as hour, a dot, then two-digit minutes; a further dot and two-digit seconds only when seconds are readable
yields 3.45
